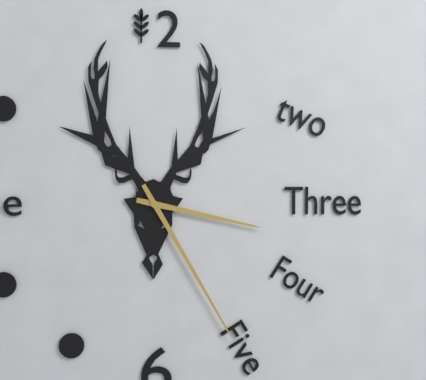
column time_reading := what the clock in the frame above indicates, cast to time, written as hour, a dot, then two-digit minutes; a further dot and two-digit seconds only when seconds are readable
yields 3.25
